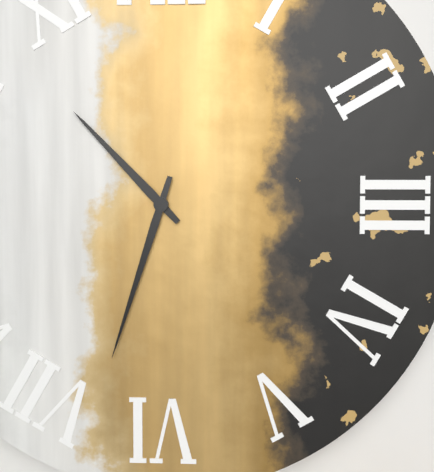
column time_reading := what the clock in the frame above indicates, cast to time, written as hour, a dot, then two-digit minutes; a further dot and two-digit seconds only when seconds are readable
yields 10.33
